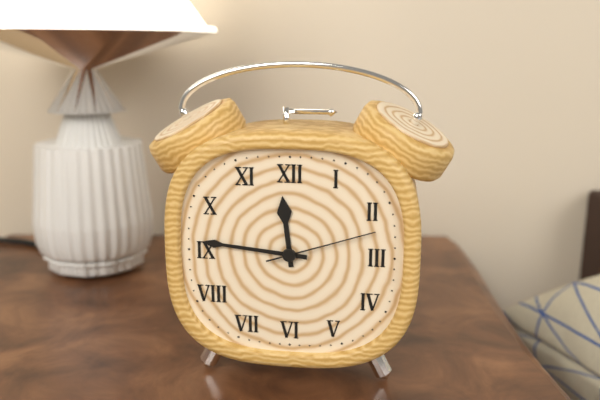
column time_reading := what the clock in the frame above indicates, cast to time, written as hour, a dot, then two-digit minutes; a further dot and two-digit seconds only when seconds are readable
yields 11.46.12
